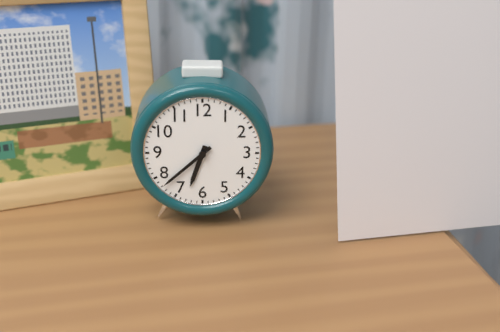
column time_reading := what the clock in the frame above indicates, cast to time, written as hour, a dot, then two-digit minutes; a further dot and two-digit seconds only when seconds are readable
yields 6.38
